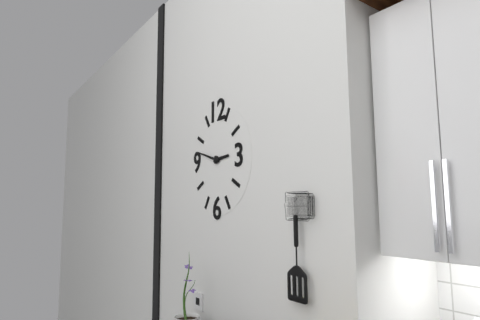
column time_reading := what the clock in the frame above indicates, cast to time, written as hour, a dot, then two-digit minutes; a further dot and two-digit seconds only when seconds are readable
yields 2.48
